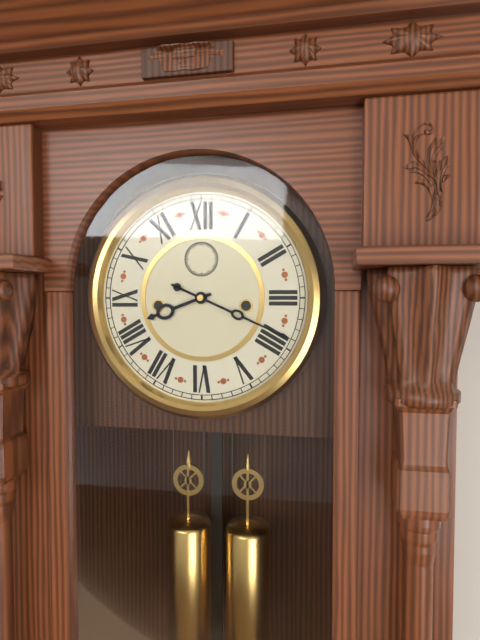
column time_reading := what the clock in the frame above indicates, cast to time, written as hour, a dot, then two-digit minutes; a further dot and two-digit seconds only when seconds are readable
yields 8.19
